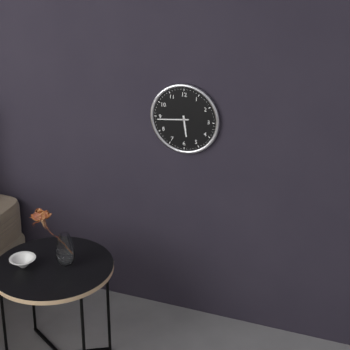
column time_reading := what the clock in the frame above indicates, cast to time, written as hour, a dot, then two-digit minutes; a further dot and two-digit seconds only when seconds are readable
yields 5.44
